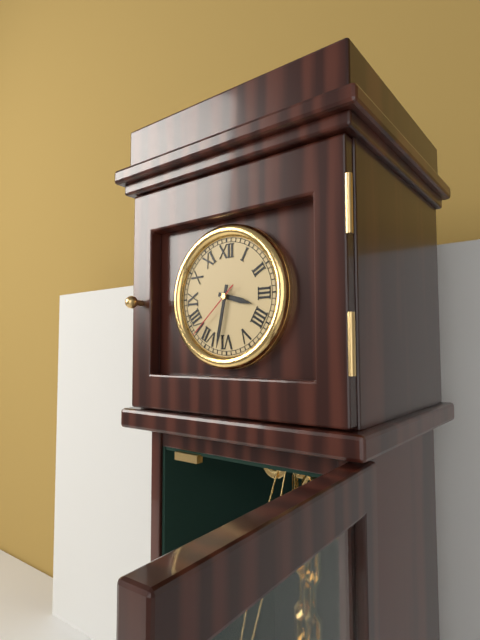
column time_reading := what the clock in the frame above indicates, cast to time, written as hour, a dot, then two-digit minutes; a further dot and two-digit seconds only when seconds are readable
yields 3.32.38
